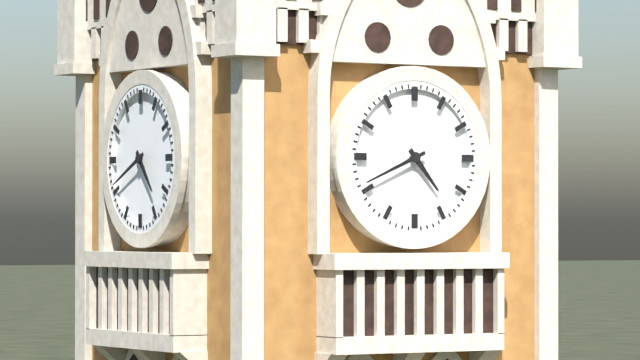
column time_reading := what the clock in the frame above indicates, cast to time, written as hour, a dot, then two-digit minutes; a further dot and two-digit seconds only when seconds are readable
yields 4.41
